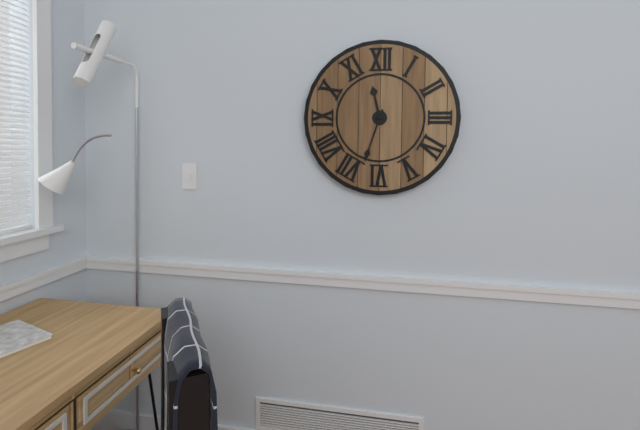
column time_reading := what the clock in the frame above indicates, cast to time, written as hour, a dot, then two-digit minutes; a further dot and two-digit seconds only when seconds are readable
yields 11.33
